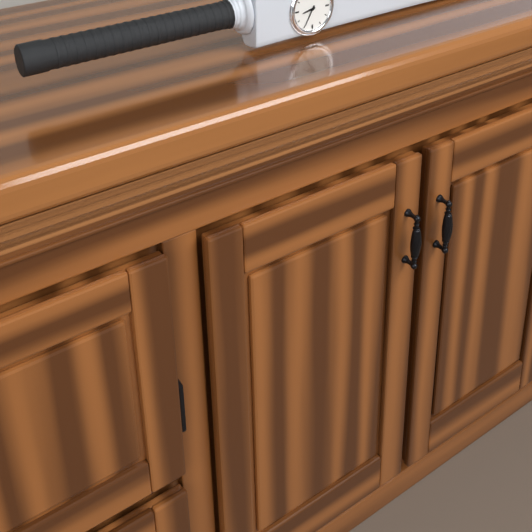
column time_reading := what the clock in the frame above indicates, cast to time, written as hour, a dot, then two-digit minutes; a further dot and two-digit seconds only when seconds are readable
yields 8.35
